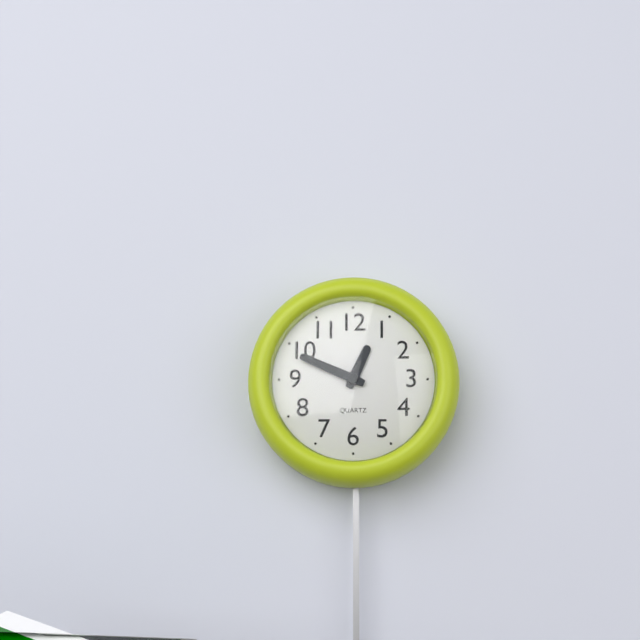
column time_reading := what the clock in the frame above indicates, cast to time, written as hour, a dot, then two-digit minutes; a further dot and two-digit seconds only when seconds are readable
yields 12.49
